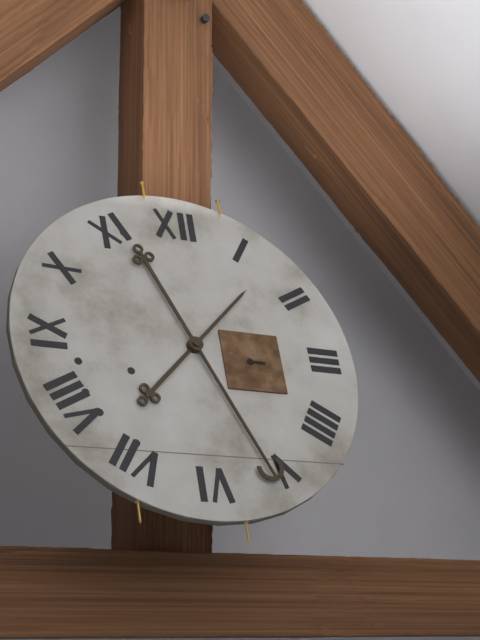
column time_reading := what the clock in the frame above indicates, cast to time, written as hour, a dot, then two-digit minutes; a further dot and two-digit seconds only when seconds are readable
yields 1.26
